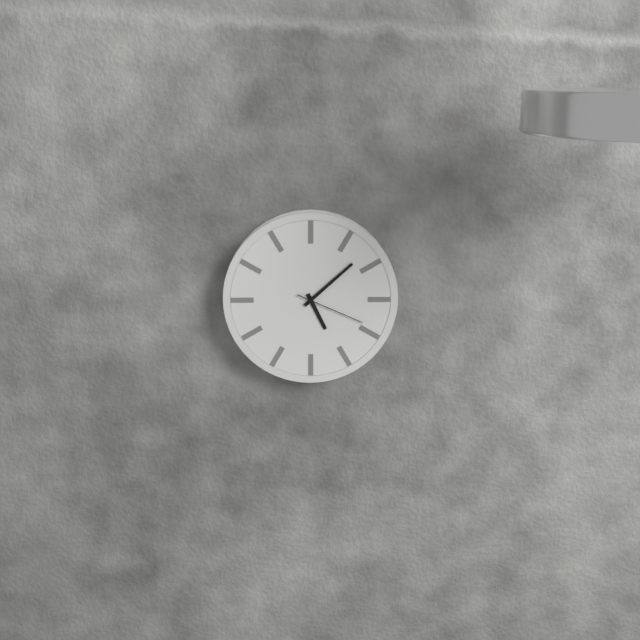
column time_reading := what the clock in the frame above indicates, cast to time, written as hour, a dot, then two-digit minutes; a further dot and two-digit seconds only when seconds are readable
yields 5.08.19
